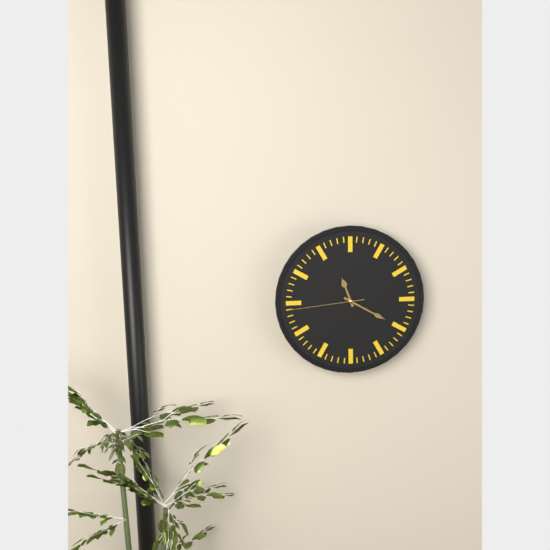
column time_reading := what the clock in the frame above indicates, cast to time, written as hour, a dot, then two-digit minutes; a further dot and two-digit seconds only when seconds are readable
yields 11.20.44
